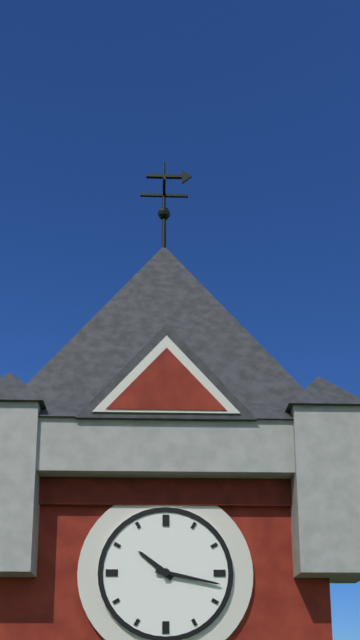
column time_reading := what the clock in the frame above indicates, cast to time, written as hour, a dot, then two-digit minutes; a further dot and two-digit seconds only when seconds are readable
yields 10.17
